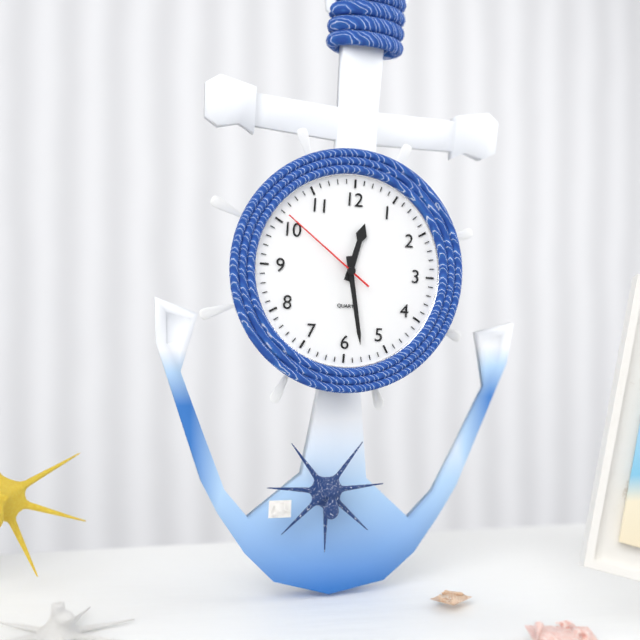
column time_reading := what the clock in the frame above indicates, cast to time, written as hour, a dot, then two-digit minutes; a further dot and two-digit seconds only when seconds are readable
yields 12.28.51
